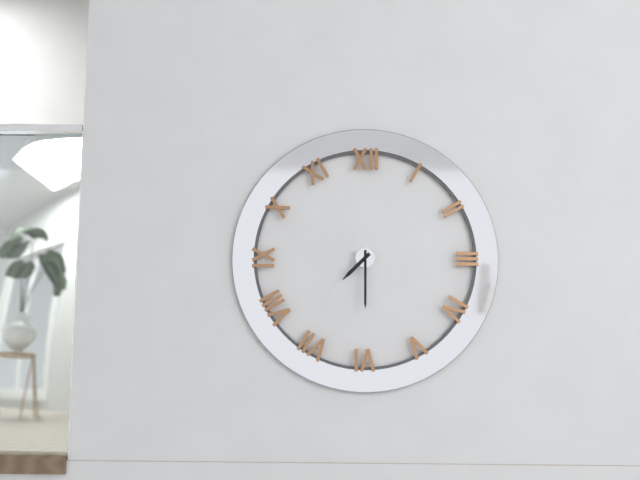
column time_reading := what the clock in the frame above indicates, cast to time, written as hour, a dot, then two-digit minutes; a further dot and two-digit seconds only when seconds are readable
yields 7.30
